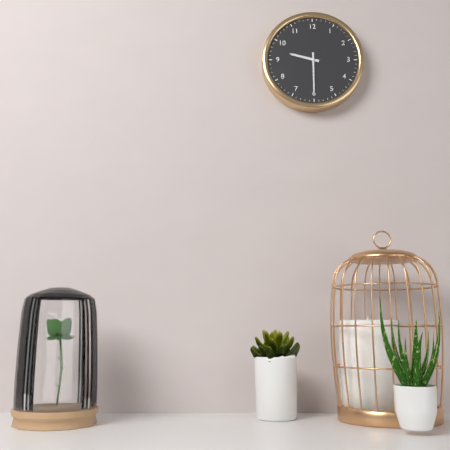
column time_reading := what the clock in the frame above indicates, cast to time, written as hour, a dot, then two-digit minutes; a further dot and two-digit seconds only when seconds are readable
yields 9.30
